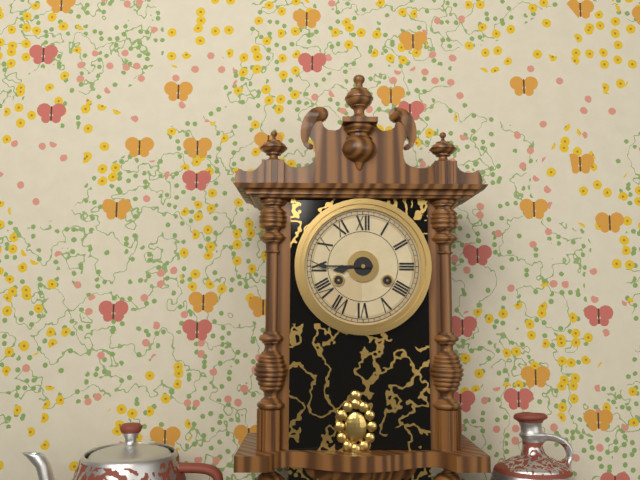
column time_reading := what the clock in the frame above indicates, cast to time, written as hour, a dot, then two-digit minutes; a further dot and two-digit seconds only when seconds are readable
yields 8.45
